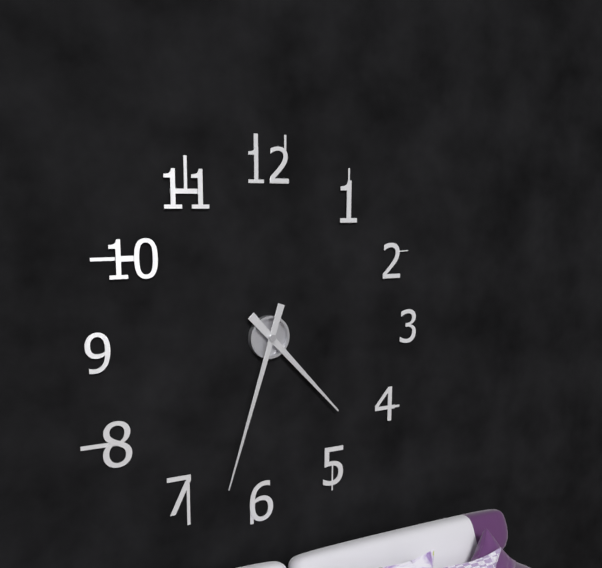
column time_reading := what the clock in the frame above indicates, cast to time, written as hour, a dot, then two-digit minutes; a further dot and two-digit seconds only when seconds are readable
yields 4.33
